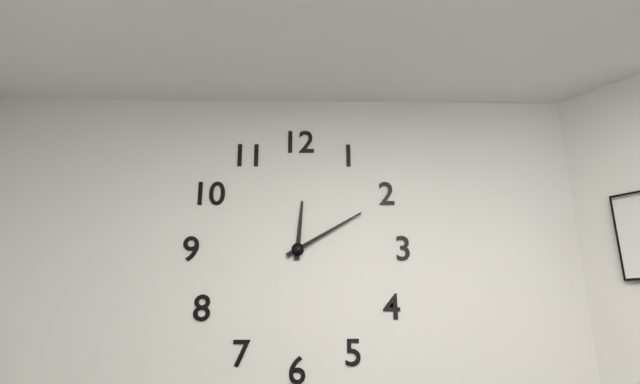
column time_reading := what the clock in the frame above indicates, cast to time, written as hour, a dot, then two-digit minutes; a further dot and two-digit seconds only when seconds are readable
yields 12.10
